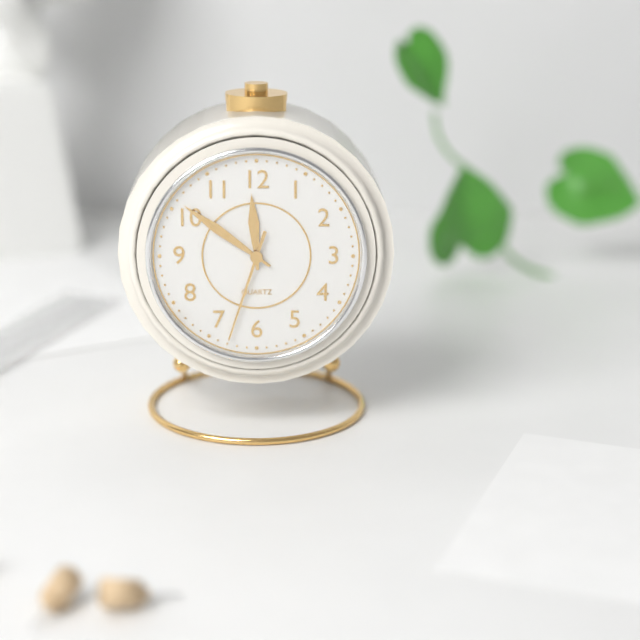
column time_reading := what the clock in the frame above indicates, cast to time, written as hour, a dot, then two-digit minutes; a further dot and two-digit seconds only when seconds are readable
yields 11.51.33
